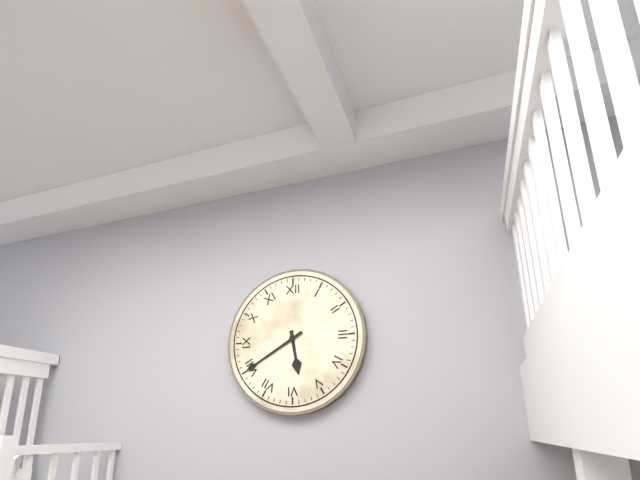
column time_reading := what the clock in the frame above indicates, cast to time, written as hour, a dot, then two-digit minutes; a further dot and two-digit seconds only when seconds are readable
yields 5.40
